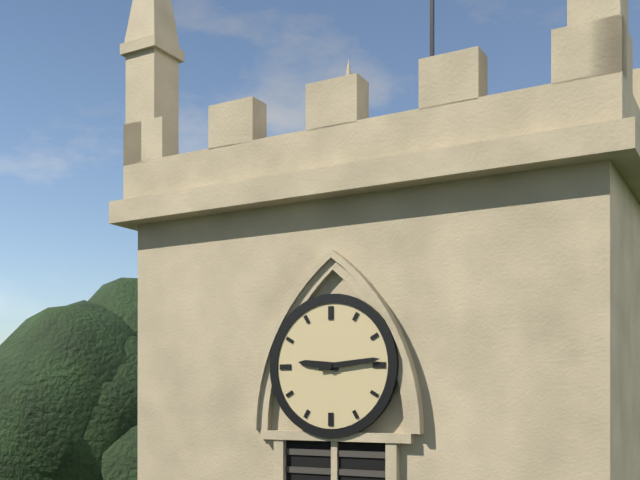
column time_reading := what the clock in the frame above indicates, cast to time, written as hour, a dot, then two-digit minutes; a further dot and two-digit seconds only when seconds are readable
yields 9.14
